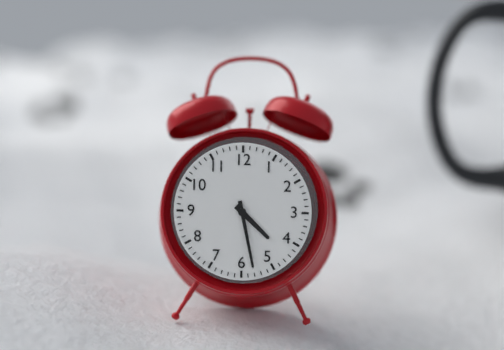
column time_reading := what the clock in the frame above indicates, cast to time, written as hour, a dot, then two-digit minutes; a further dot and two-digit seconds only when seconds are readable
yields 4.28
